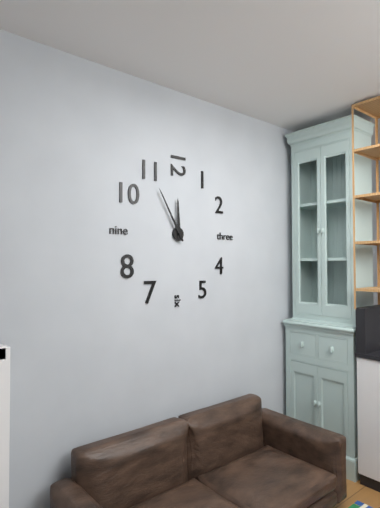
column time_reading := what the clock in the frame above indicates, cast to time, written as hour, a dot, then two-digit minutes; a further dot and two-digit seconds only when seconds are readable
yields 11.55
